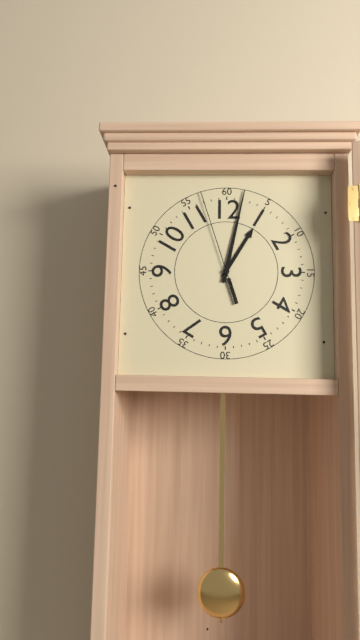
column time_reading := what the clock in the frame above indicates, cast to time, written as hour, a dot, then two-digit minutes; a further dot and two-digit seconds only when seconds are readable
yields 1.02.57
